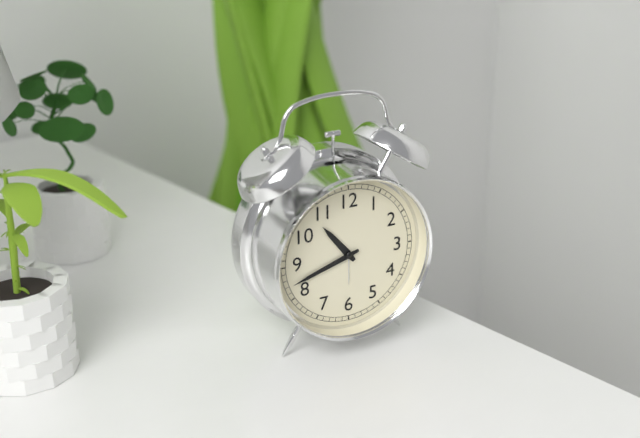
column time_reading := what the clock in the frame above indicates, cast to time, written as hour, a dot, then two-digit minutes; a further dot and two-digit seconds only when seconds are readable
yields 10.42
